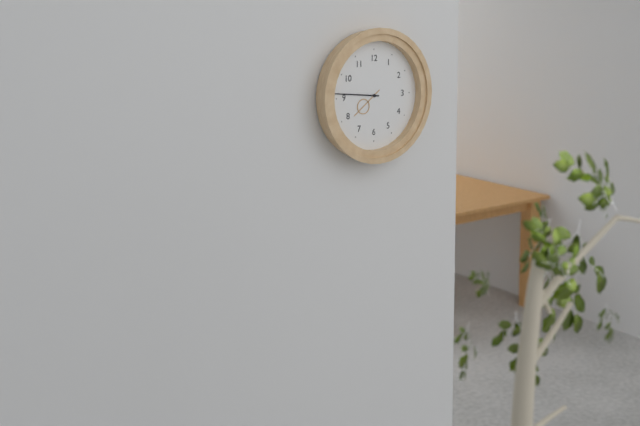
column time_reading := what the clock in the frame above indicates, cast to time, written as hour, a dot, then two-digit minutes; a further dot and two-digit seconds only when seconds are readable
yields 7.46
